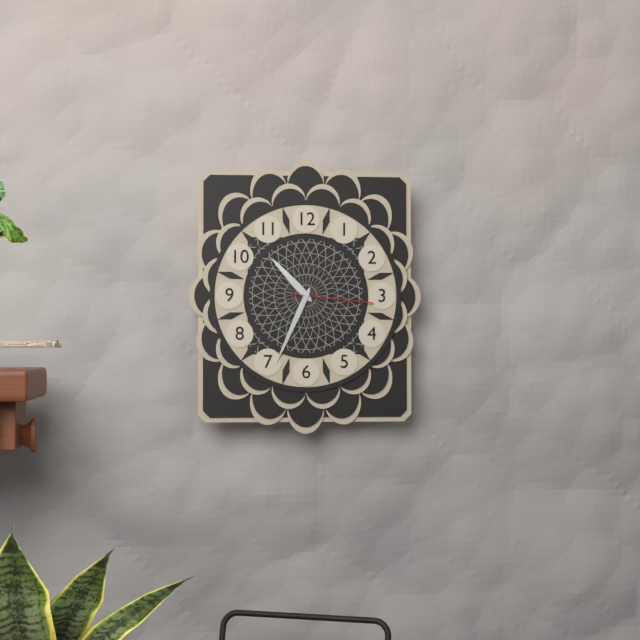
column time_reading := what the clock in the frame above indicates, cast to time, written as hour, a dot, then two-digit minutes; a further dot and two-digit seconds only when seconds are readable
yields 10.34.16
